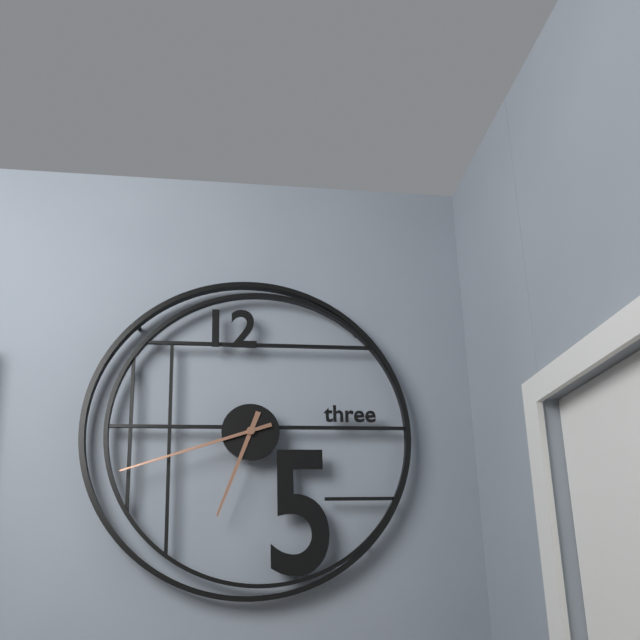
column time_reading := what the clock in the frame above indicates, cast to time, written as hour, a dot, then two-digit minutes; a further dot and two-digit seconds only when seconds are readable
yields 6.42
